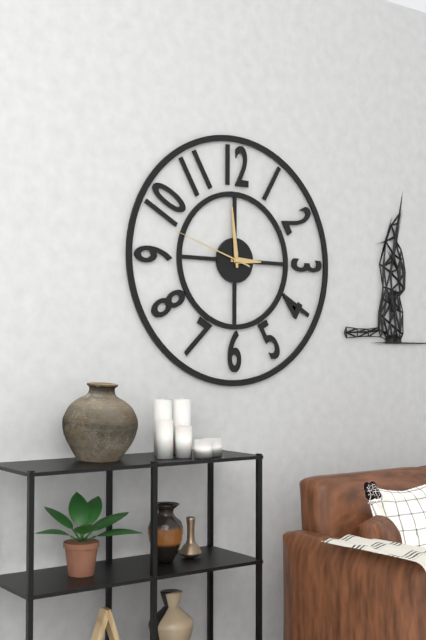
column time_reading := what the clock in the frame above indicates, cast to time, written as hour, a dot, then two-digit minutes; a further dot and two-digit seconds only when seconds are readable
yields 2.59.48
